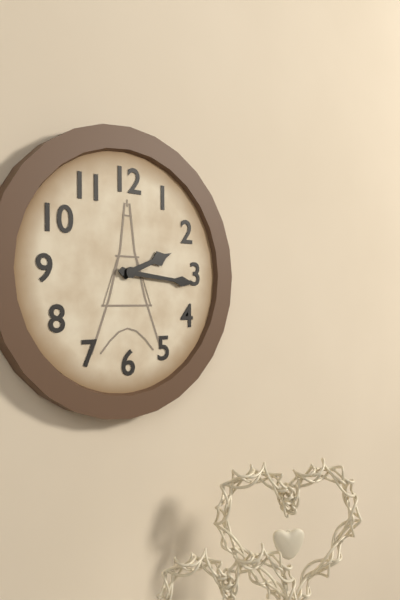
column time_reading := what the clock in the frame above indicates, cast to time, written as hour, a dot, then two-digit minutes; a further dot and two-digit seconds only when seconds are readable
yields 2.16
